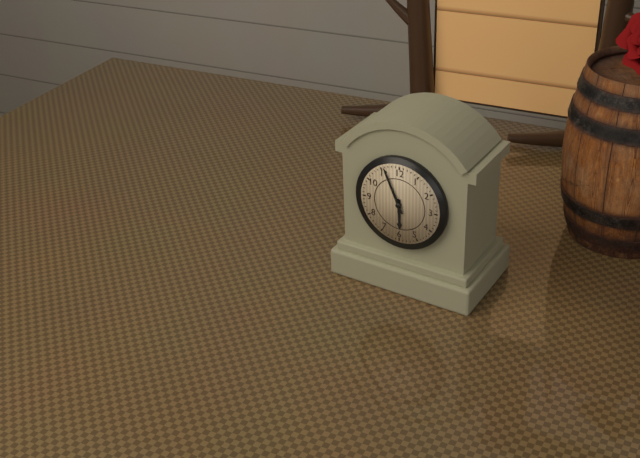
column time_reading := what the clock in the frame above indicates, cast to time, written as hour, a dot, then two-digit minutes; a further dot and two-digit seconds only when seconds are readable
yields 5.56
